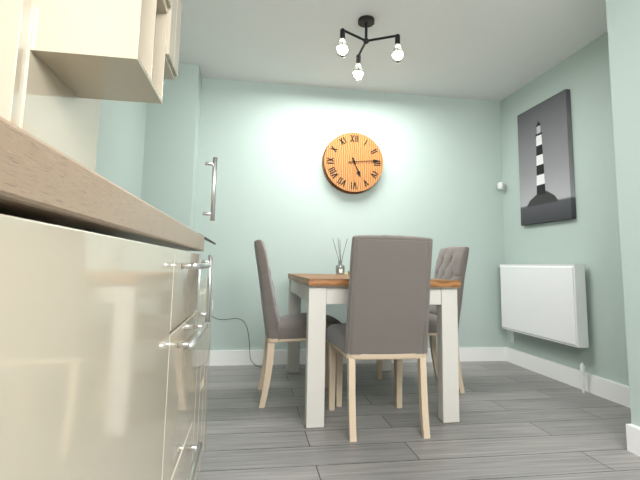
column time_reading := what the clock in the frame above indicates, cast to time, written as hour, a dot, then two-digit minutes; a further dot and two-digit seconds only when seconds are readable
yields 5.14
